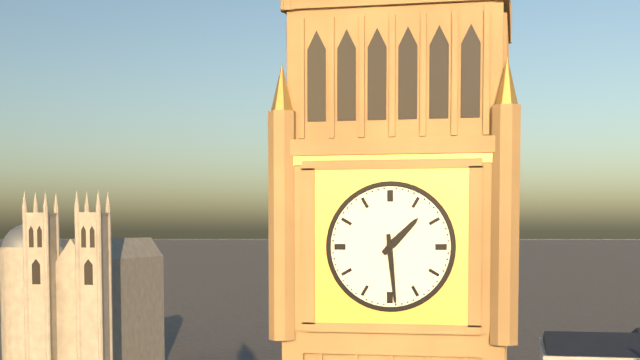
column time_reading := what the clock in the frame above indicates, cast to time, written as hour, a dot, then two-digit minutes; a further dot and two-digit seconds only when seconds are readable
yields 1.29
